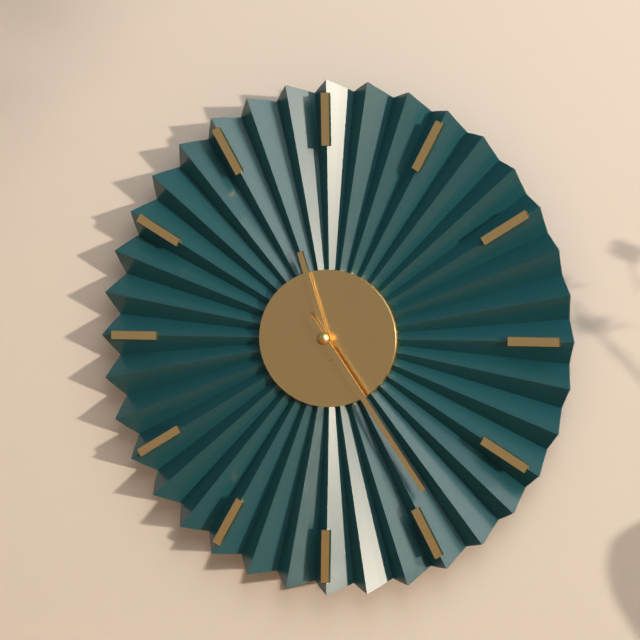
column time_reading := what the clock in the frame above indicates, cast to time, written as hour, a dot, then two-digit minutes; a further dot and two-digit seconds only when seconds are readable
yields 11.24
